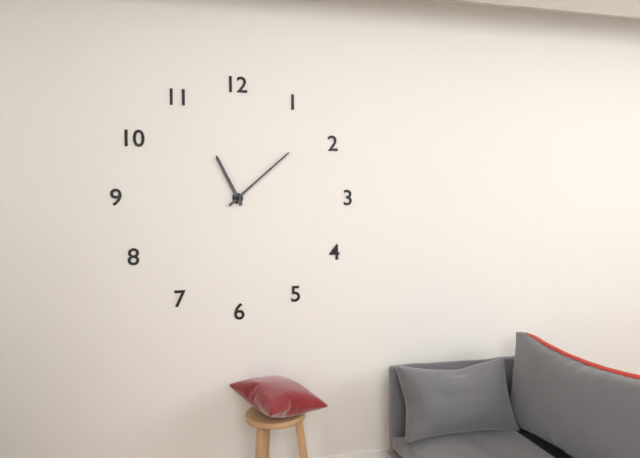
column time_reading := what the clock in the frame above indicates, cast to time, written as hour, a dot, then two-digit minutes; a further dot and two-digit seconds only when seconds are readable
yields 11.08
